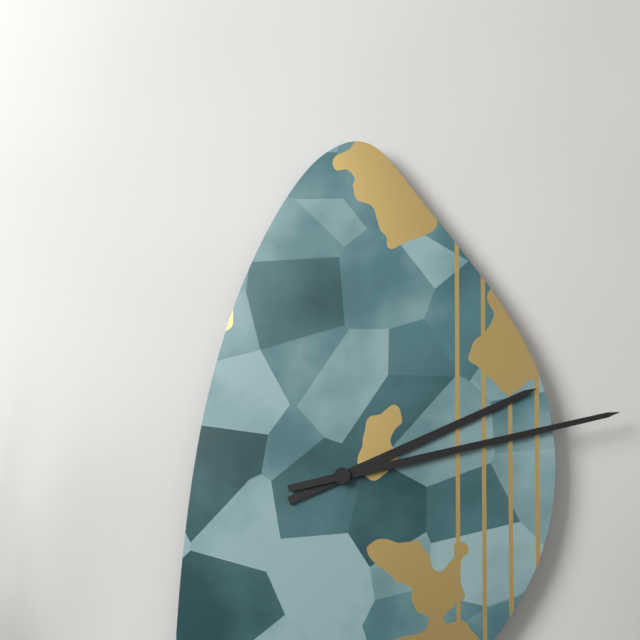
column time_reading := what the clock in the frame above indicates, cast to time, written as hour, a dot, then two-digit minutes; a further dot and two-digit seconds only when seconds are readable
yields 2.13
